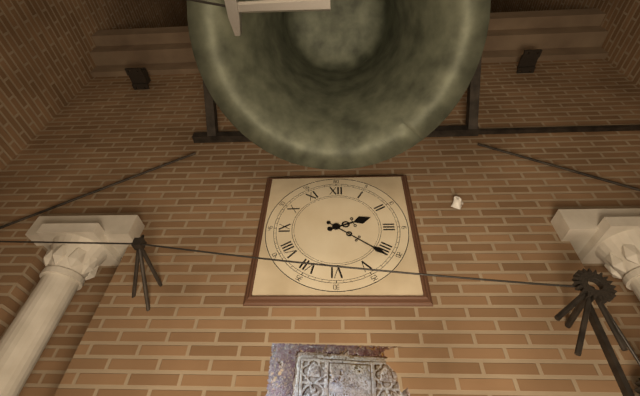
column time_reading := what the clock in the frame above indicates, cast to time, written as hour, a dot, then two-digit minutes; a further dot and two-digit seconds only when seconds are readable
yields 2.21
